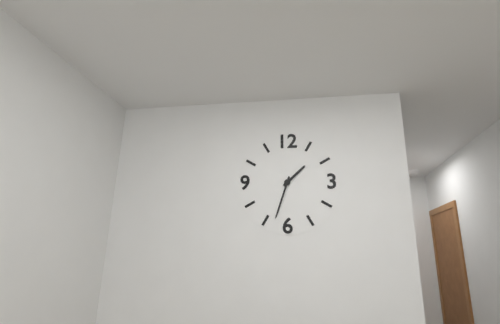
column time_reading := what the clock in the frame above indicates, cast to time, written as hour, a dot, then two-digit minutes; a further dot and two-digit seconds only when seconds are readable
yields 1.33
